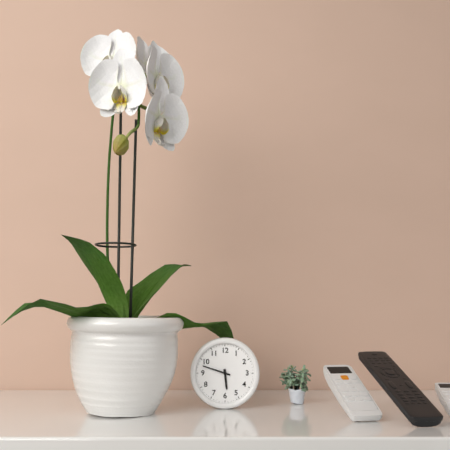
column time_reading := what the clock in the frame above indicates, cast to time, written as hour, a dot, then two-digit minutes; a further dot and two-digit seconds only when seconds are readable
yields 5.48
